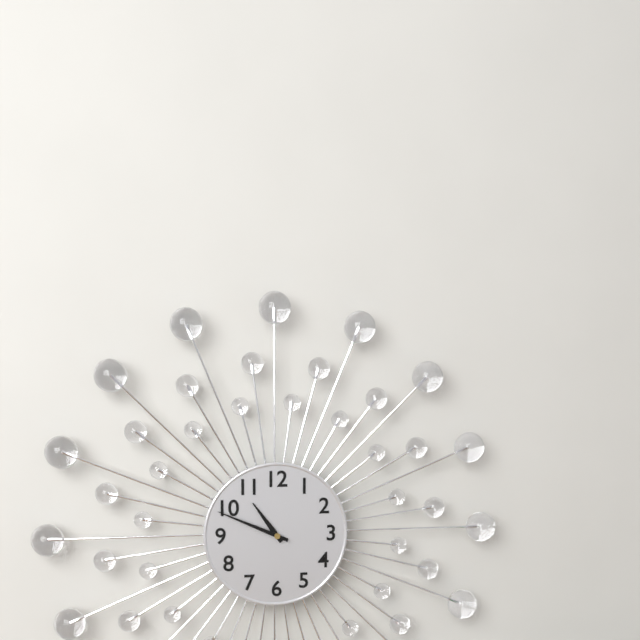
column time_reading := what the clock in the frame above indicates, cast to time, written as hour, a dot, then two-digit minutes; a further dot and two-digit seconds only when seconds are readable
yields 10.49
